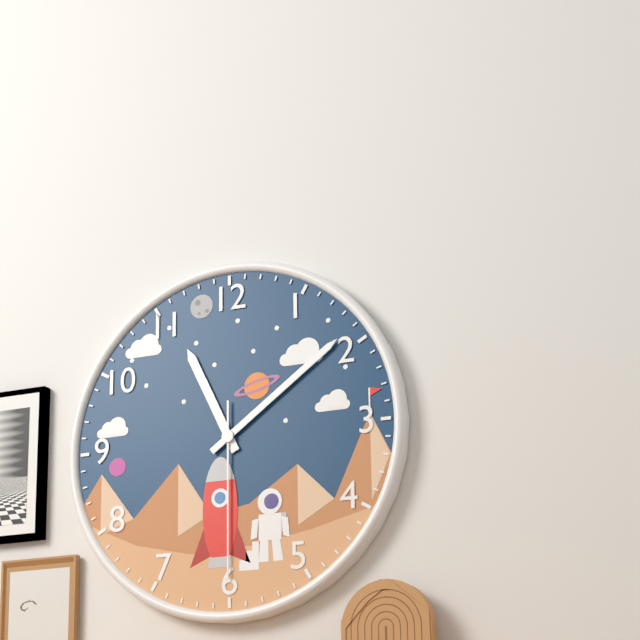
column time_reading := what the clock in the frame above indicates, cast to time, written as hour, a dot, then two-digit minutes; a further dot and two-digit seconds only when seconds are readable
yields 11.09.30
